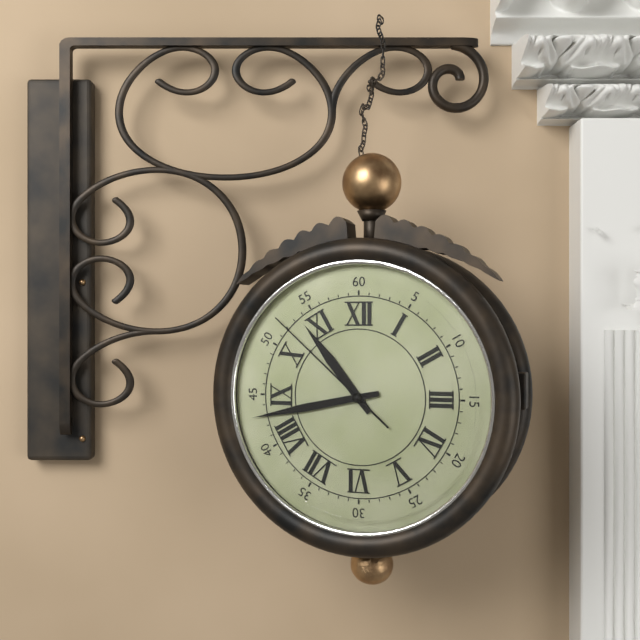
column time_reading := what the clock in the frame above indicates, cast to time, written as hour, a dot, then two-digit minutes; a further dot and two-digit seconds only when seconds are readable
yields 10.43.52
